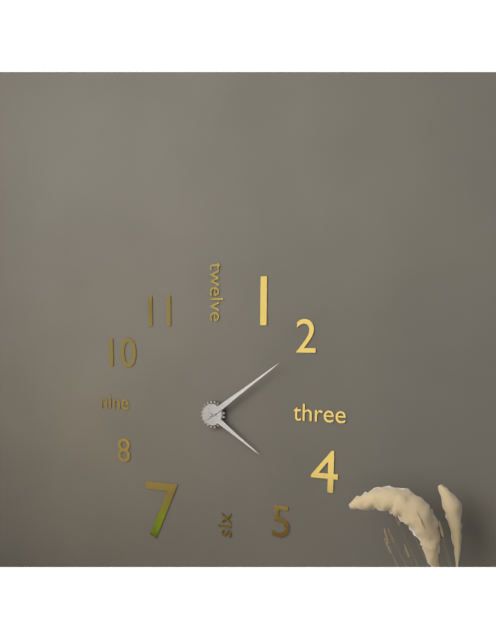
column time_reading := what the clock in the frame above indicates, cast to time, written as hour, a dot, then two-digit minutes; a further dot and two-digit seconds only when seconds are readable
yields 4.09
